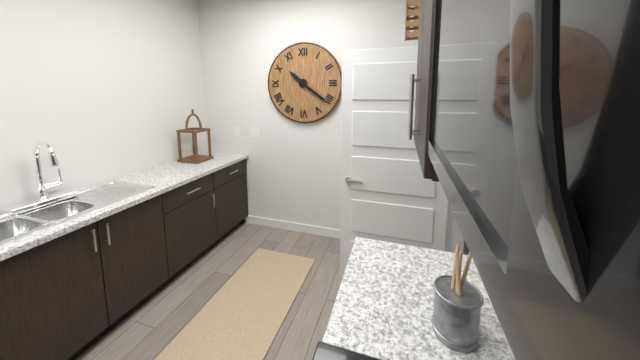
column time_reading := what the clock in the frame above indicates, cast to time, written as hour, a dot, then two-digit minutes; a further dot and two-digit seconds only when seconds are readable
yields 10.21
